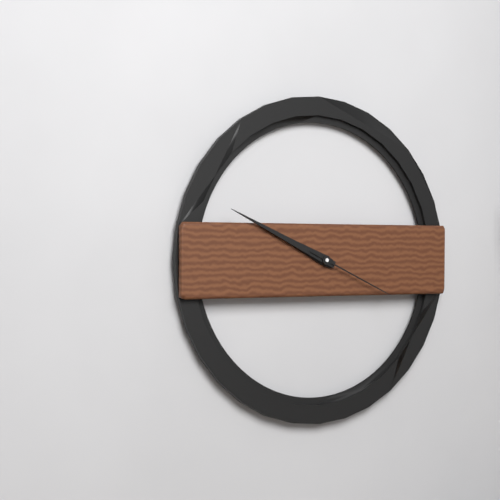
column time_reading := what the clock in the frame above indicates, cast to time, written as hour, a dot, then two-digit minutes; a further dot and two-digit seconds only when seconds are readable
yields 9.49.19
